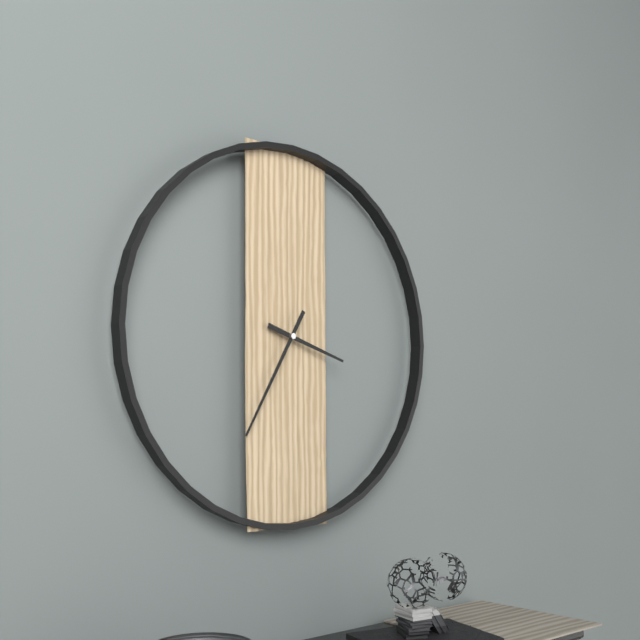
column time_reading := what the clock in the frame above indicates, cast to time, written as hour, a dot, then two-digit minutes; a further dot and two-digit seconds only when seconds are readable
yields 3.35
